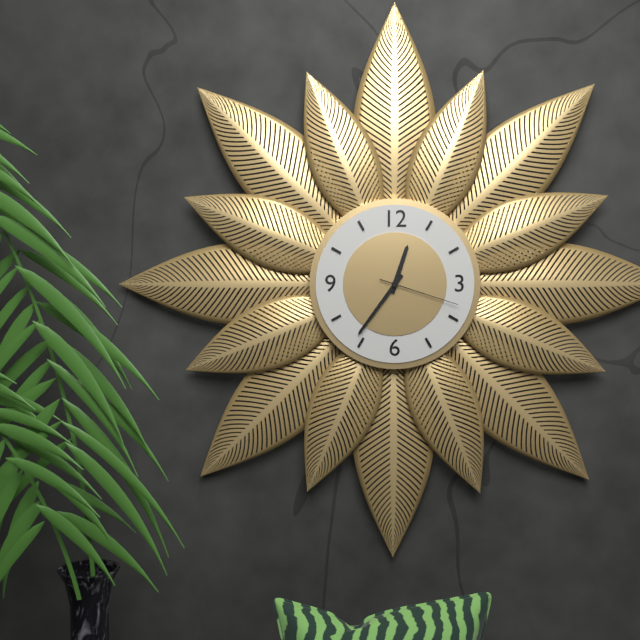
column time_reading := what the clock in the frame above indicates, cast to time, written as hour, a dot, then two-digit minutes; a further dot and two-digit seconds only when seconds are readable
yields 12.36.18
